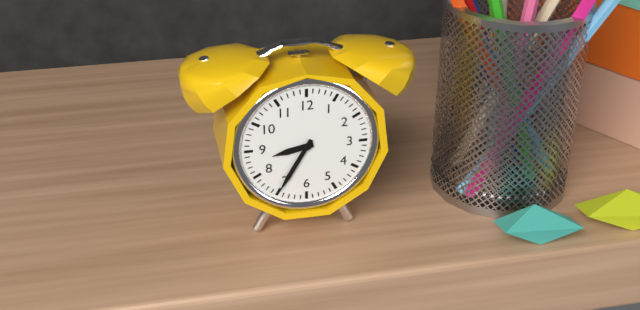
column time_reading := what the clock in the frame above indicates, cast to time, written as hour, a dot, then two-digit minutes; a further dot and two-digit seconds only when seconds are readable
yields 8.35
